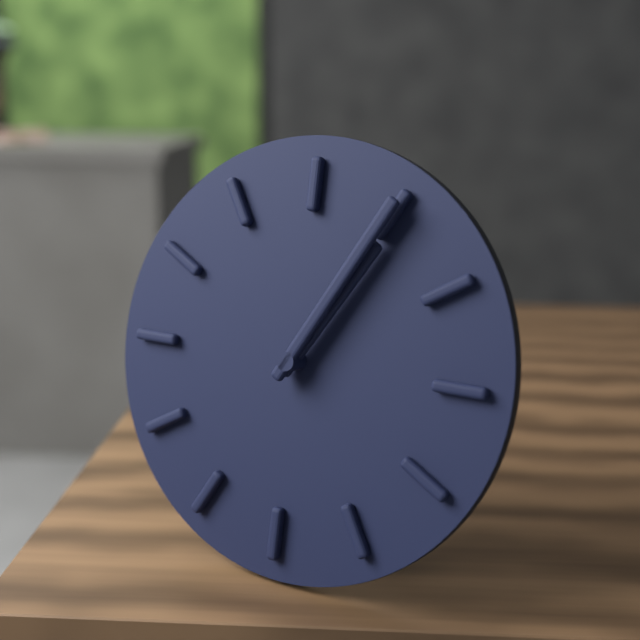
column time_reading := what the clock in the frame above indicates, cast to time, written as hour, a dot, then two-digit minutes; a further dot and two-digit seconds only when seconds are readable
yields 1.05
